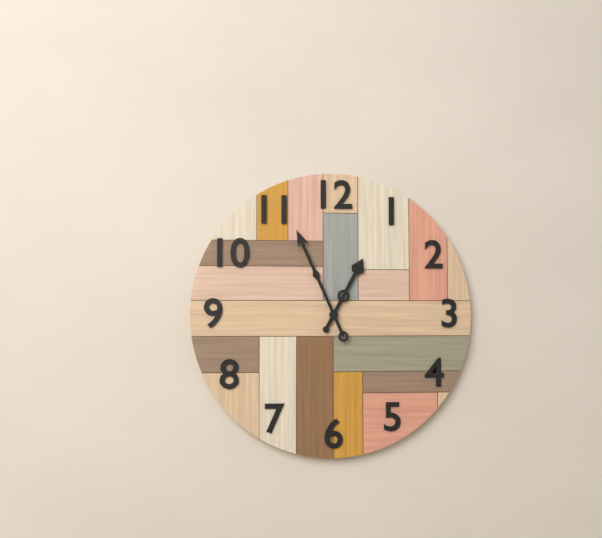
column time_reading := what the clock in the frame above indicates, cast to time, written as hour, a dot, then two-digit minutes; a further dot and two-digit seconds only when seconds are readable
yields 12.56
